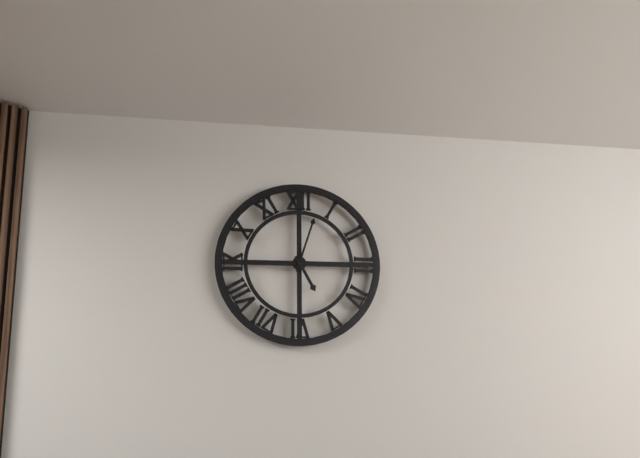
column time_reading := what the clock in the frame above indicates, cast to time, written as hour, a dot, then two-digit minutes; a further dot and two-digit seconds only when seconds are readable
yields 5.03
